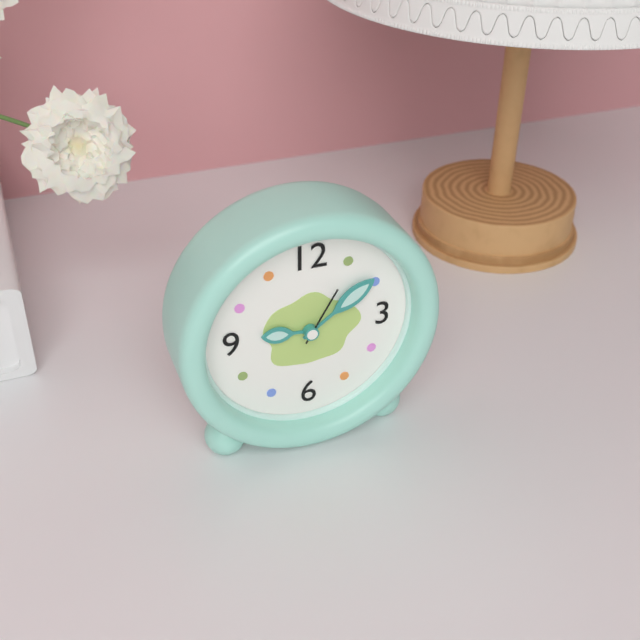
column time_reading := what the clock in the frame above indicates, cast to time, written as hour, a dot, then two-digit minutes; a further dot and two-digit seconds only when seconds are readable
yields 9.09.05
